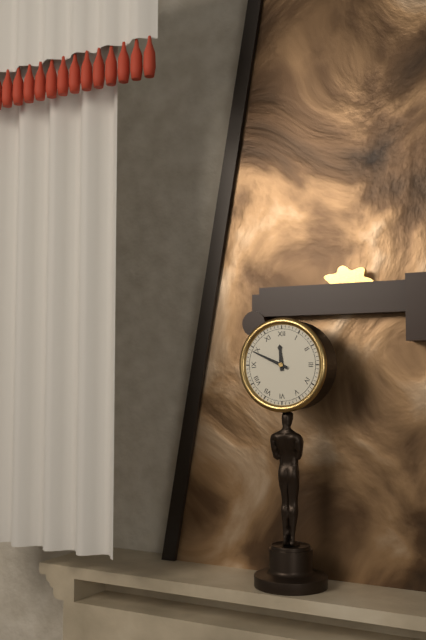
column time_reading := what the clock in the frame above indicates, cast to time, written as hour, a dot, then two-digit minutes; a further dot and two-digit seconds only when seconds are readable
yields 11.49
